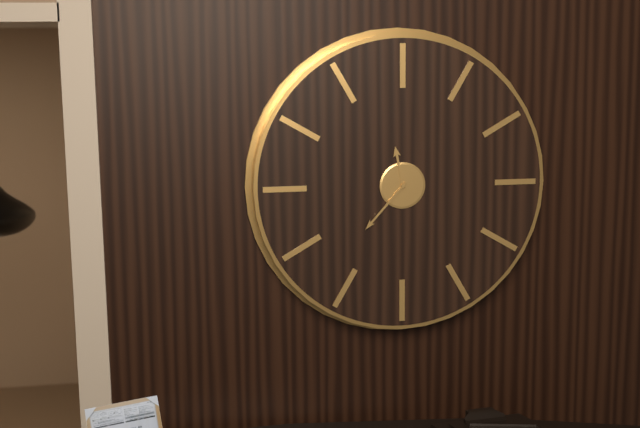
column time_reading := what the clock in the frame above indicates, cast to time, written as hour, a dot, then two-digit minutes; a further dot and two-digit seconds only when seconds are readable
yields 11.37
